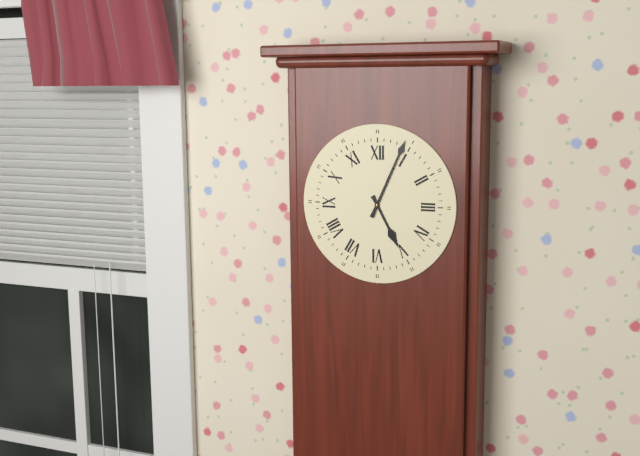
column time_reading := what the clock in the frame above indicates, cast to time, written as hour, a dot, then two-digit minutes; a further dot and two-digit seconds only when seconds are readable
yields 5.04
